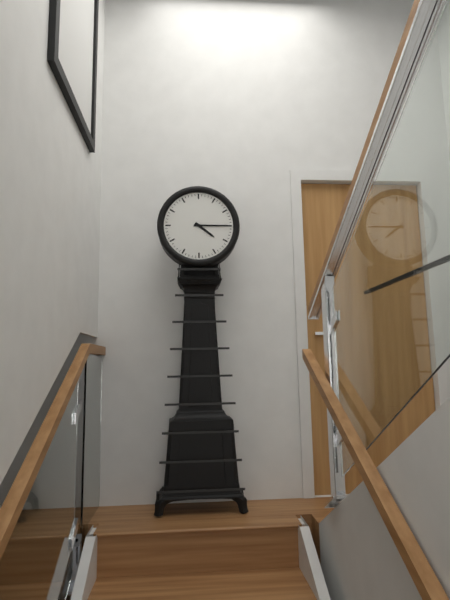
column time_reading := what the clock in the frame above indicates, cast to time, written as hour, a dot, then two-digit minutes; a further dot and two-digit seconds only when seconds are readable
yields 4.15
